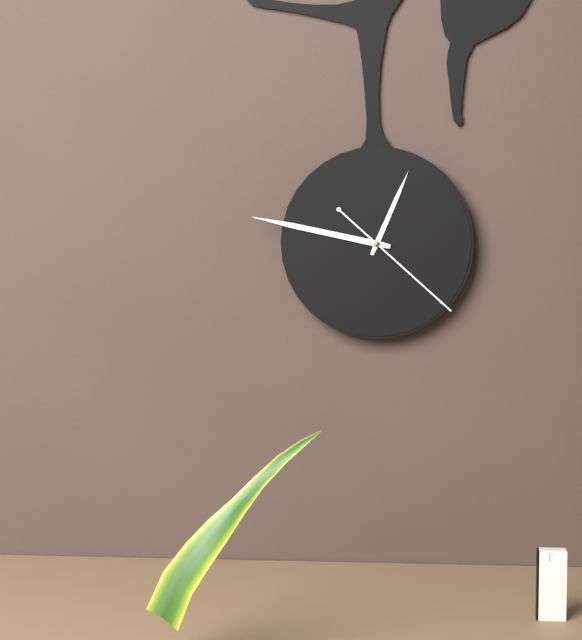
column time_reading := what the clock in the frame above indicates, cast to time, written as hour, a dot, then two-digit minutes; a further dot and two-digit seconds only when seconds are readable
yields 12.47.22
